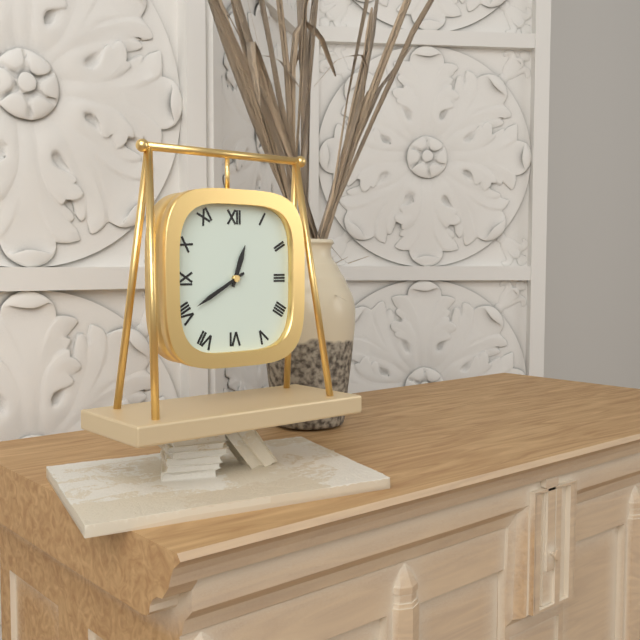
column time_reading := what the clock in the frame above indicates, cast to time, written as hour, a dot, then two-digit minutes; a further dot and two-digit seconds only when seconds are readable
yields 12.40
